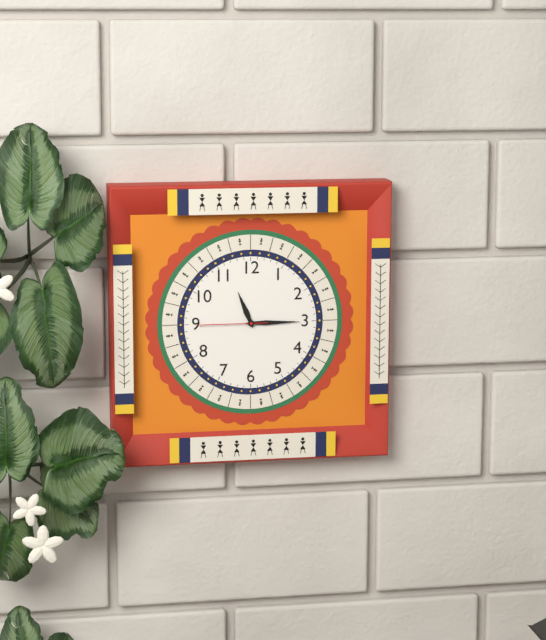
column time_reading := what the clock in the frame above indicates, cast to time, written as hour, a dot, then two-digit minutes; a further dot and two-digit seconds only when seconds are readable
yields 11.15.45
